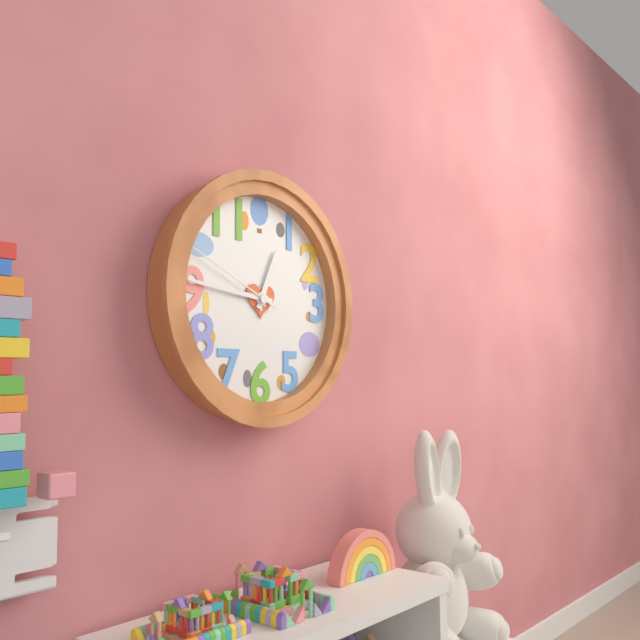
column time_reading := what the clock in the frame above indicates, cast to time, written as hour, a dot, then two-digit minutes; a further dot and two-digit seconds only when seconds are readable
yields 12.46.49
